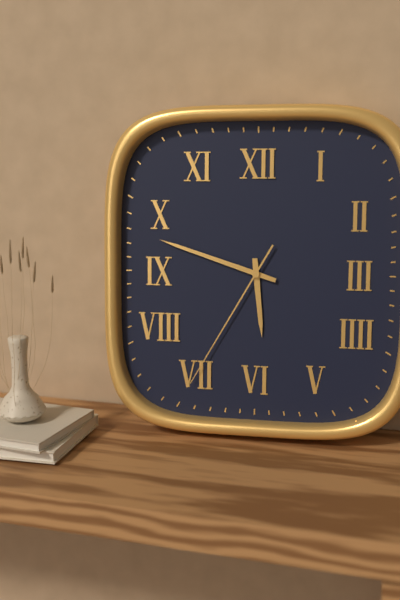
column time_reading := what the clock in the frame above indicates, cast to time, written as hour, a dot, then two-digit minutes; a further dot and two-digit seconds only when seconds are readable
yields 5.48.35
